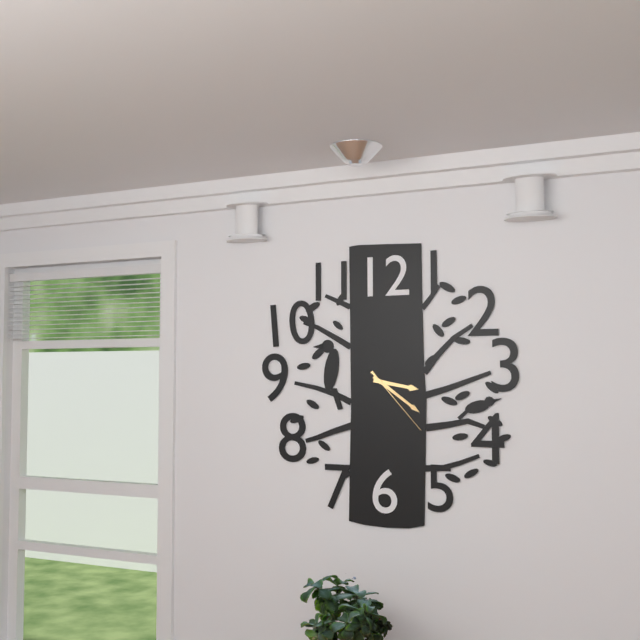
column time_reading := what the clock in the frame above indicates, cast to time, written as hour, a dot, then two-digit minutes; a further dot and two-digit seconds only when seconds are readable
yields 3.21.23
